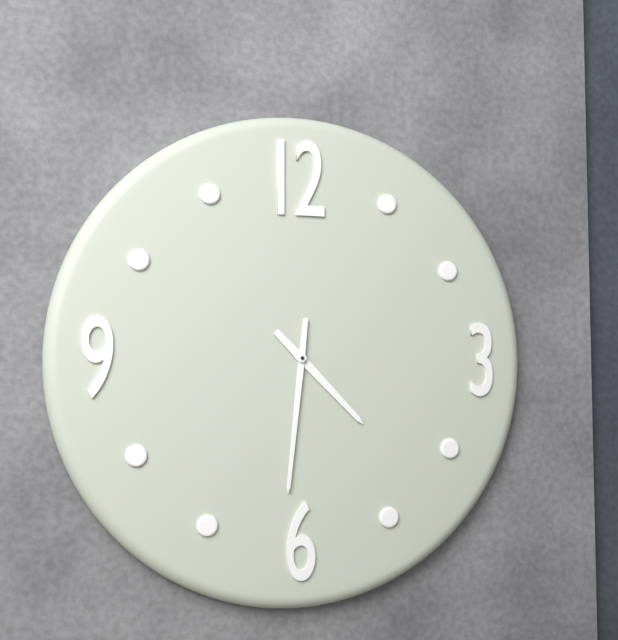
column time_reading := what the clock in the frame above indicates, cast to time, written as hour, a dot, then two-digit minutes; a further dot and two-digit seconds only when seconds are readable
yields 4.31
